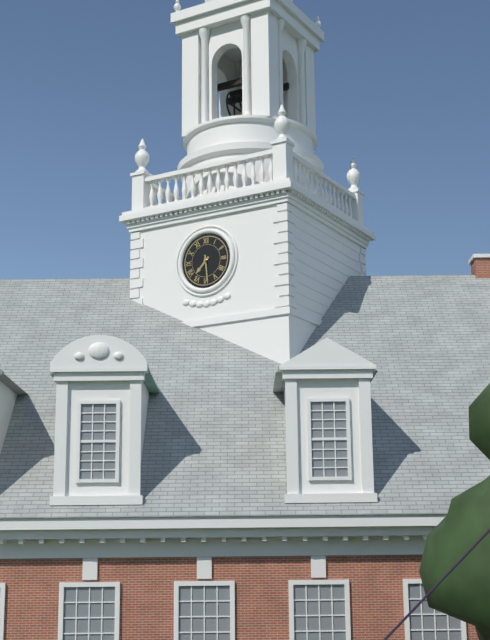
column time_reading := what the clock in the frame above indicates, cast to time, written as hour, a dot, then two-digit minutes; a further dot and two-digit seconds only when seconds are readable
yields 7.29
